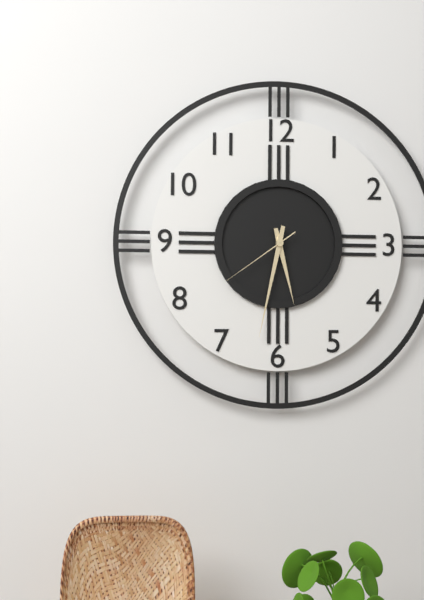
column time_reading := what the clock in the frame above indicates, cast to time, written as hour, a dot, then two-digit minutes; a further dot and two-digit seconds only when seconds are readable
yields 5.32.39
